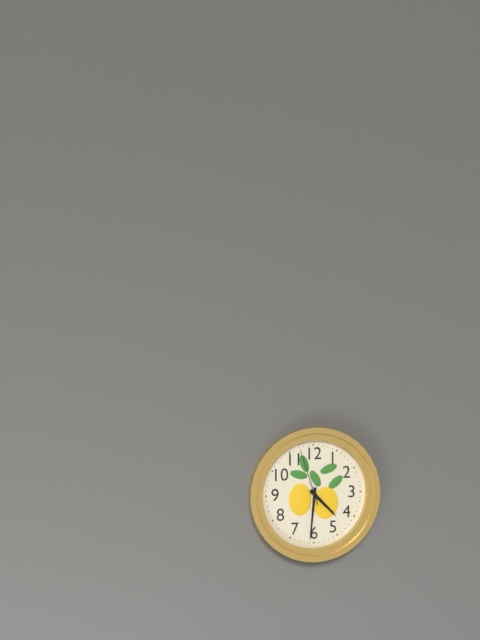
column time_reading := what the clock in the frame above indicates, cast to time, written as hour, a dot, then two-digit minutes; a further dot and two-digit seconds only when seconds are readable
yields 4.31.57
